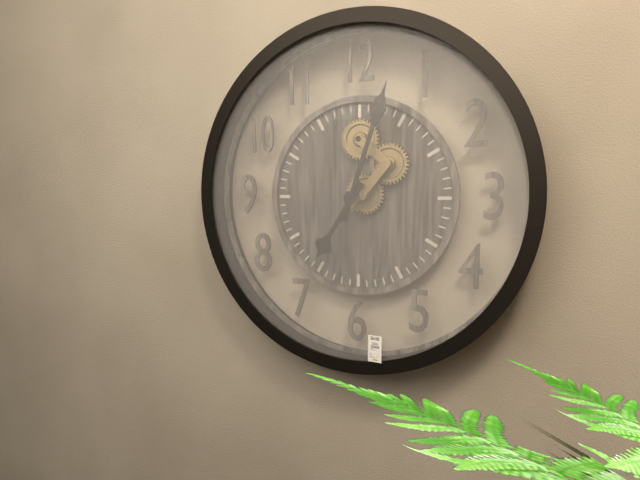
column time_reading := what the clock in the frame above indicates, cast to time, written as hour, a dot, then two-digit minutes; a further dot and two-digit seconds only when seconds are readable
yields 7.03
